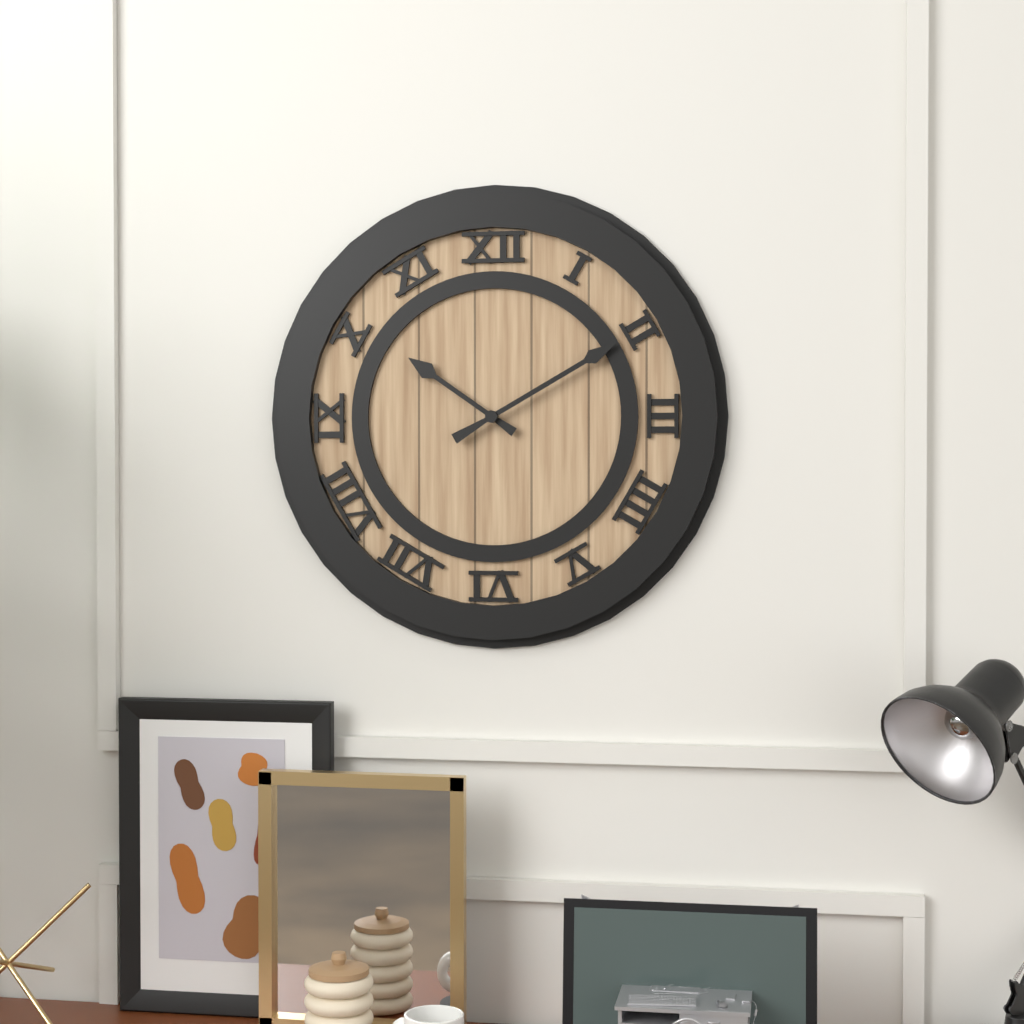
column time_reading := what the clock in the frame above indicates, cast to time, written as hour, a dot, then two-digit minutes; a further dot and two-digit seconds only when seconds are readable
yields 10.10
